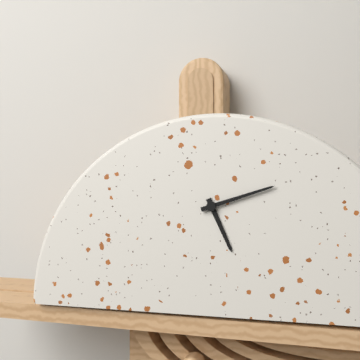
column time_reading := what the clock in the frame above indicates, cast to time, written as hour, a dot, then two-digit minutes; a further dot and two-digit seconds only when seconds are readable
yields 5.12
